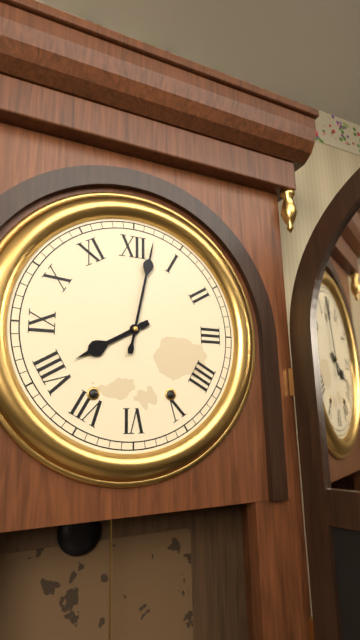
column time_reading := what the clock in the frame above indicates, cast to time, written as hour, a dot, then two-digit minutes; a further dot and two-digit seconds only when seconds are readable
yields 8.02
